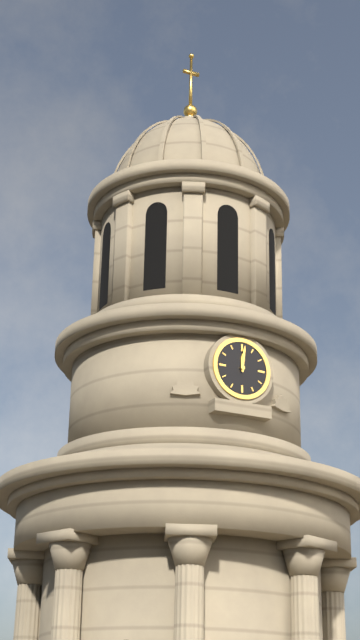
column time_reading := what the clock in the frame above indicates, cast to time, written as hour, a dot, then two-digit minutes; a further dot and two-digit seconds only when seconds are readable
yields 12.01
